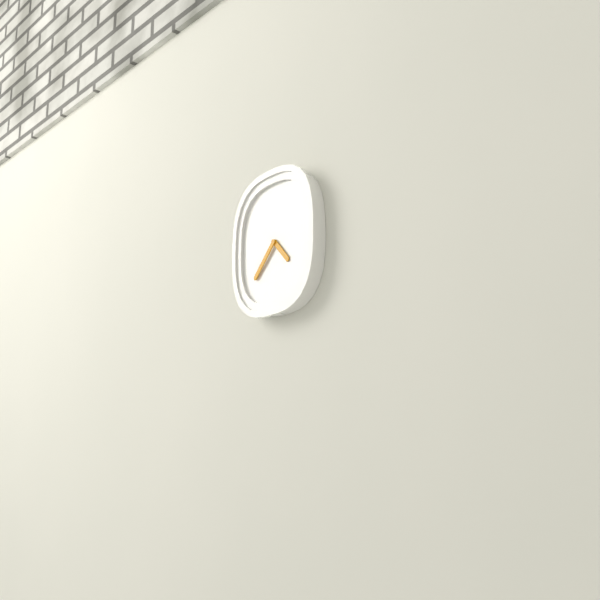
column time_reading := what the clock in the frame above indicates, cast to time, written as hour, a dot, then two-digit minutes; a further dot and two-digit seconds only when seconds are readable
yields 4.37
